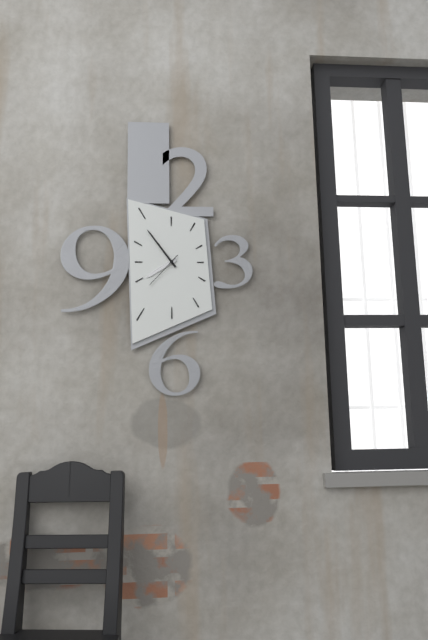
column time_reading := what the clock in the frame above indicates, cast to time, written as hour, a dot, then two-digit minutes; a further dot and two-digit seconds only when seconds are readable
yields 7.54
